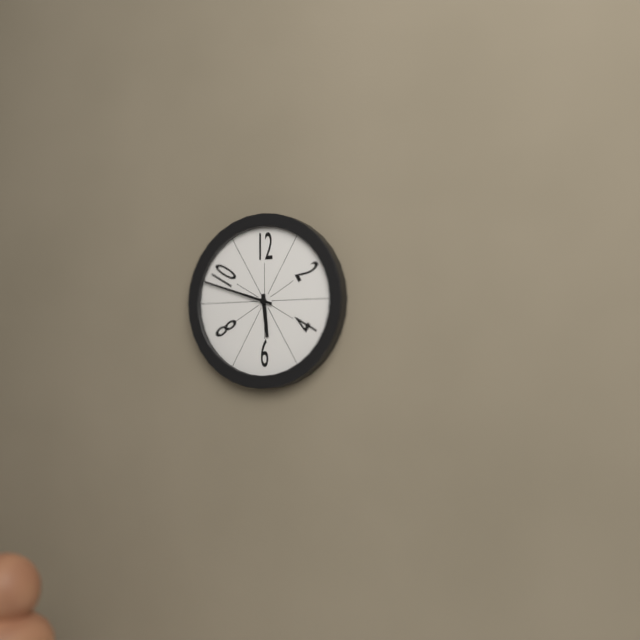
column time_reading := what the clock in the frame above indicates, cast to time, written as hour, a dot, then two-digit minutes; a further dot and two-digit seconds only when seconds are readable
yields 5.48
